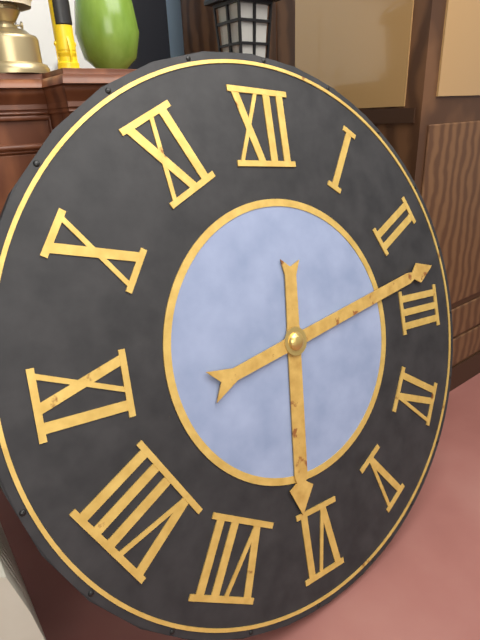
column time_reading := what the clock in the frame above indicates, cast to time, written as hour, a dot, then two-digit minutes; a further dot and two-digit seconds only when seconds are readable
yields 6.13
